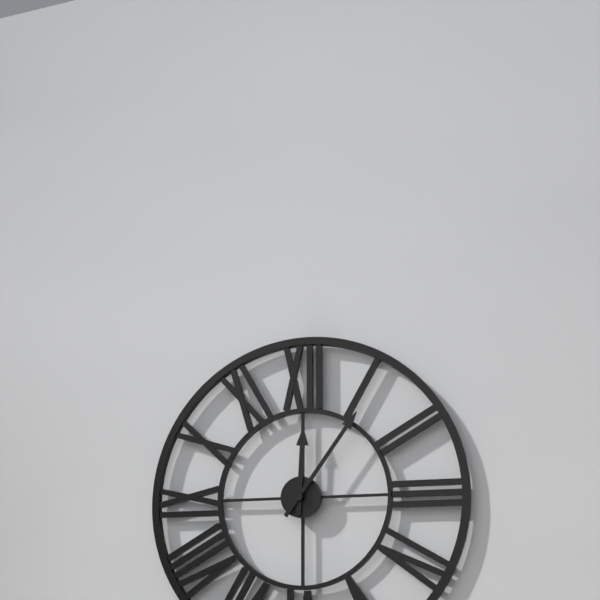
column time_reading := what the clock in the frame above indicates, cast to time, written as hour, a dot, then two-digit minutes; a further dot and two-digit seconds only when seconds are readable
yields 12.06
